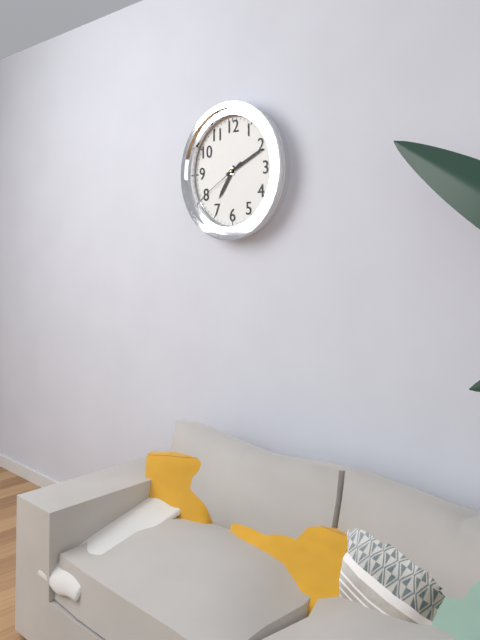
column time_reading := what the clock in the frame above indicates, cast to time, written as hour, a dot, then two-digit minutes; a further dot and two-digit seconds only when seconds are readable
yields 7.11
